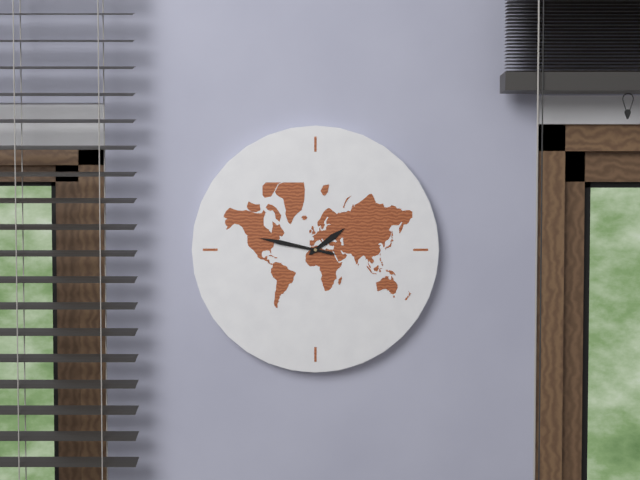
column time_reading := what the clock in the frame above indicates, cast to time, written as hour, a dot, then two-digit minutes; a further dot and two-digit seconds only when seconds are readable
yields 1.47
